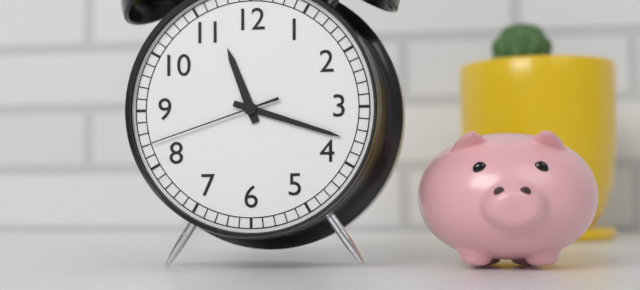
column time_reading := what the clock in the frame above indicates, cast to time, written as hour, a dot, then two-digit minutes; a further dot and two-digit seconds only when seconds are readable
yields 11.18.42
